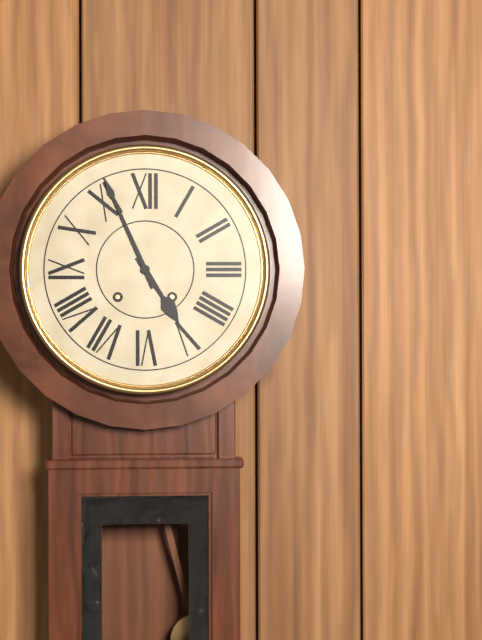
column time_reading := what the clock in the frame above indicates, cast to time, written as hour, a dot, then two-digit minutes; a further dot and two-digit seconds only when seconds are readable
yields 4.56
